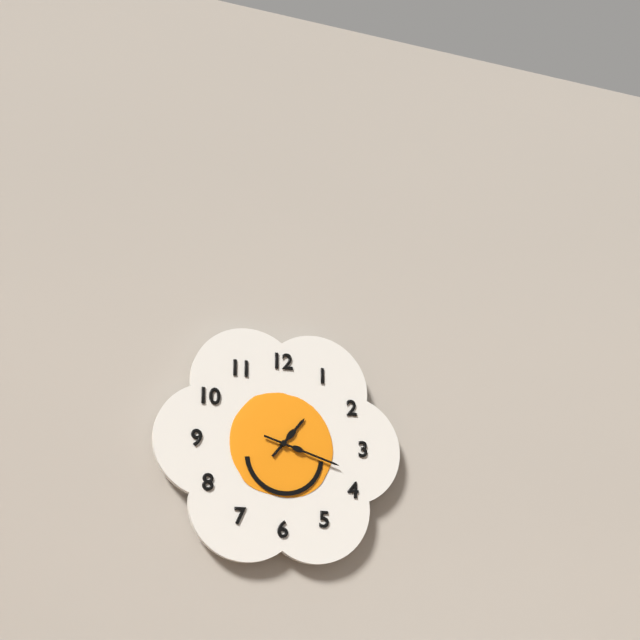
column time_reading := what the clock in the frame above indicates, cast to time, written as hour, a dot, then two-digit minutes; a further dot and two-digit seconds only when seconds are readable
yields 1.18
